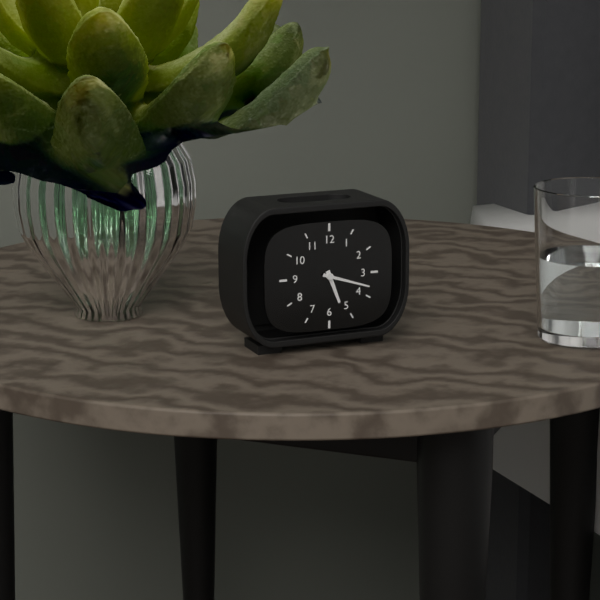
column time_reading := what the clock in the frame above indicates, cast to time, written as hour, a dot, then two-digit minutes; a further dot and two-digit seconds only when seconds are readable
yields 5.18
